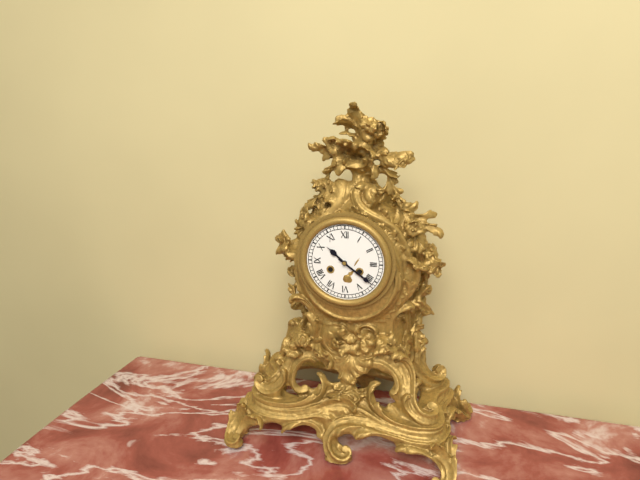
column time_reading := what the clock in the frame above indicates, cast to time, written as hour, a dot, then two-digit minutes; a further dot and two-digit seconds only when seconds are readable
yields 10.21
